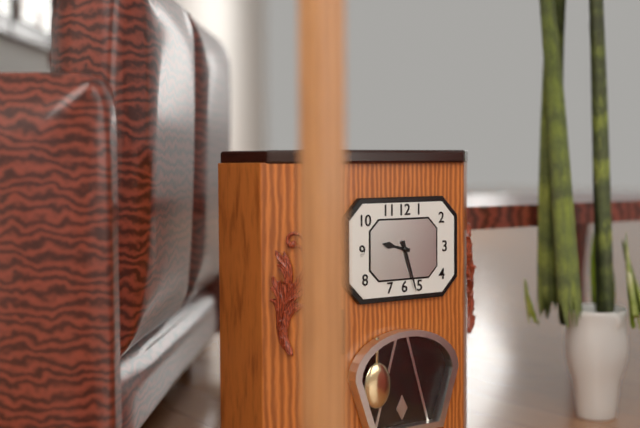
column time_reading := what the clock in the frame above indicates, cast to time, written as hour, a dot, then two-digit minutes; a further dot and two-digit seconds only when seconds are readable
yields 9.27
